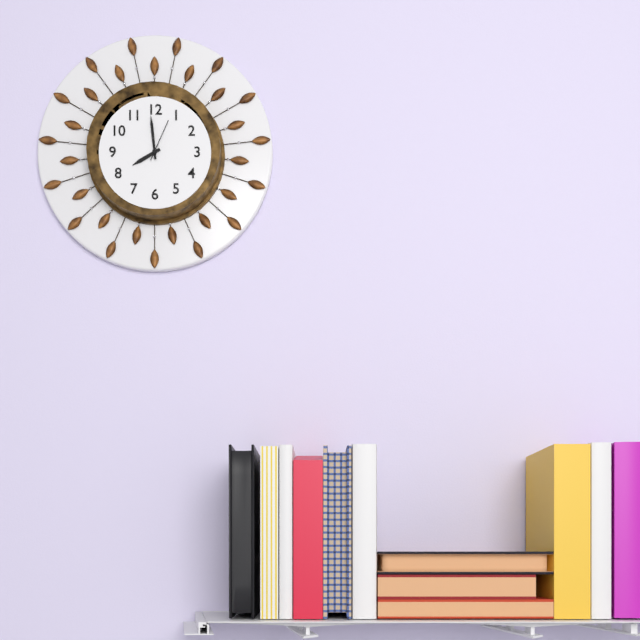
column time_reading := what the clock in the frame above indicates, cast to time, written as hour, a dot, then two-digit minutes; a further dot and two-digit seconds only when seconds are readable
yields 7.59
